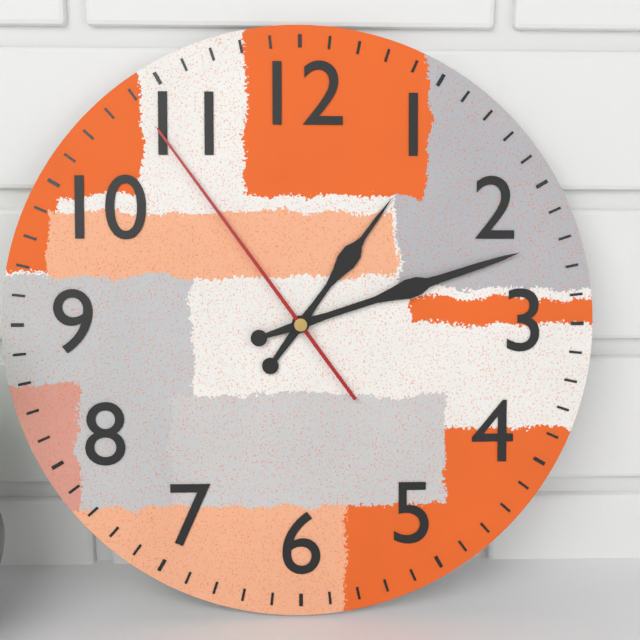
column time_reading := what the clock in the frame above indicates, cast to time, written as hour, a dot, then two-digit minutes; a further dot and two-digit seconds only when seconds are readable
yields 1.12.54
